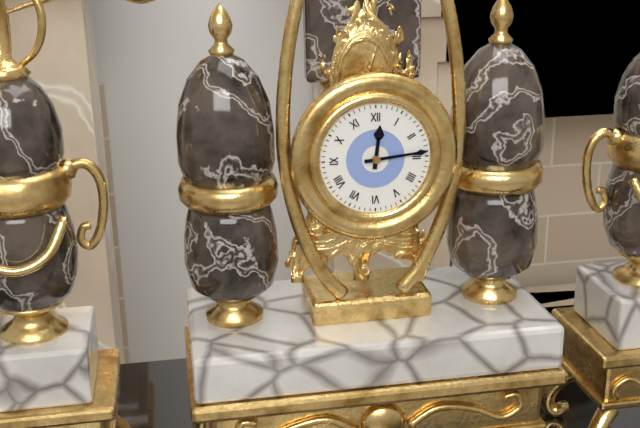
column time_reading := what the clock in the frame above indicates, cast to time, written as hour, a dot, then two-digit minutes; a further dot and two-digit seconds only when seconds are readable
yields 12.14
